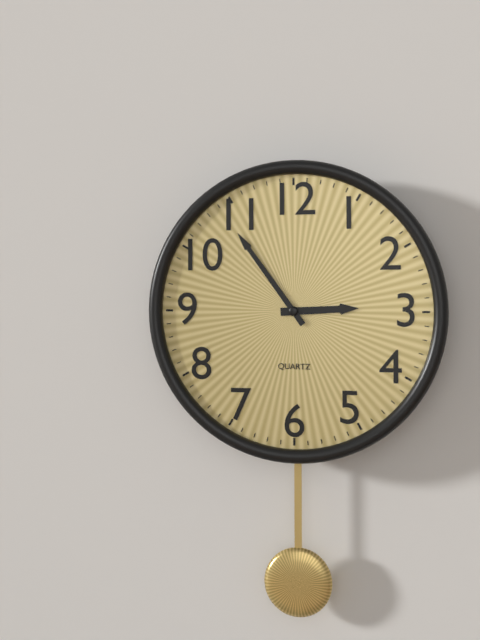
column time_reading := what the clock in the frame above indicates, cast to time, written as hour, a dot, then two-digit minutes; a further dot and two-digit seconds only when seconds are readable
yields 2.54
